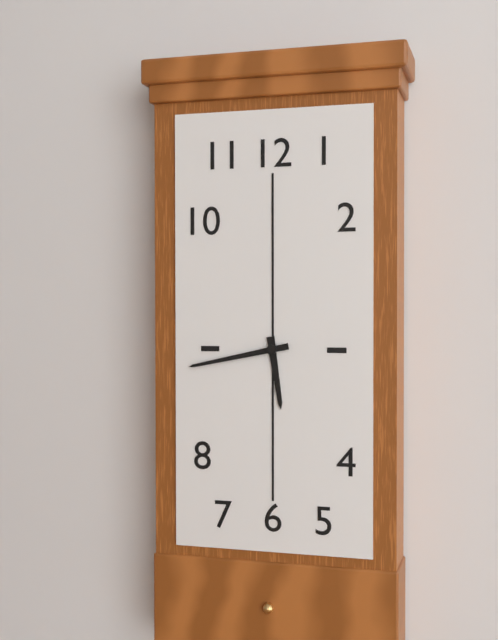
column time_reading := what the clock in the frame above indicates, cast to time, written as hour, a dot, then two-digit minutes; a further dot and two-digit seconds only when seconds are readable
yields 5.43
